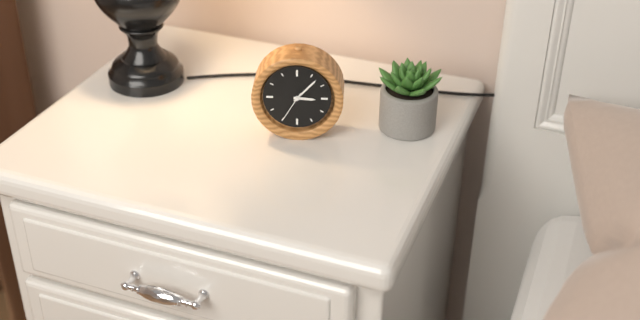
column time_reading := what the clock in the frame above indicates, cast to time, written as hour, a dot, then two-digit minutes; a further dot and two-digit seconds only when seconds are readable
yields 3.07
